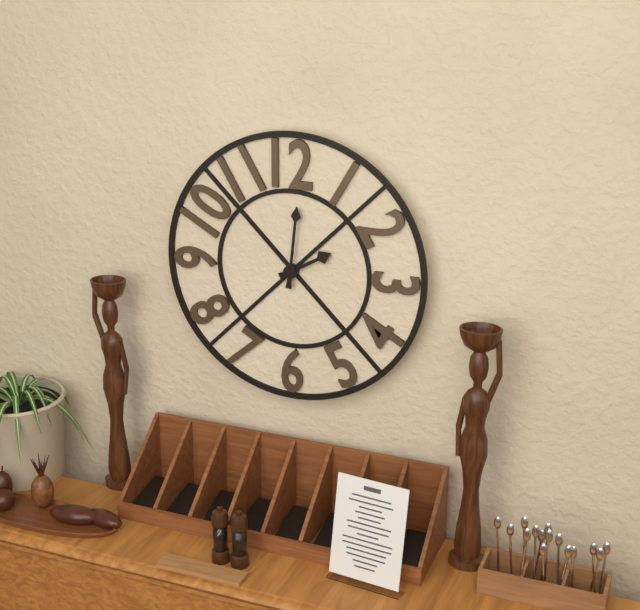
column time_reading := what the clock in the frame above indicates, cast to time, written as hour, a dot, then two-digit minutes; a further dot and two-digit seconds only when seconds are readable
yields 2.01
